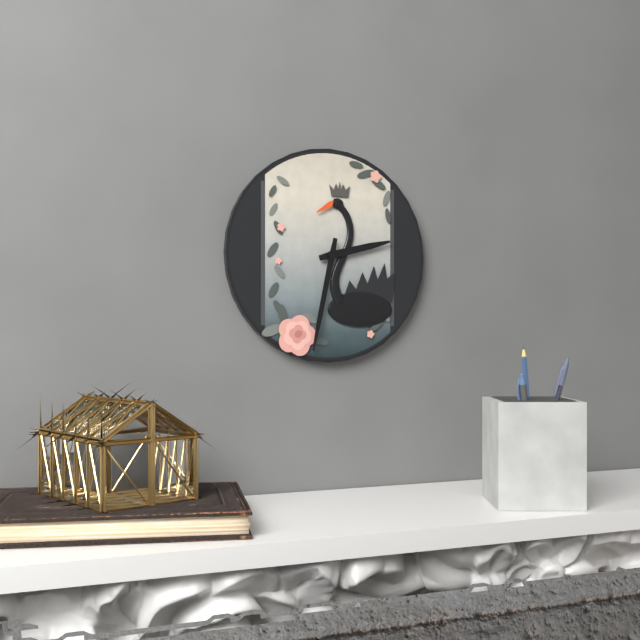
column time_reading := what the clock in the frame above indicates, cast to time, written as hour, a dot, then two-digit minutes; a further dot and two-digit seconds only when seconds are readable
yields 2.32
